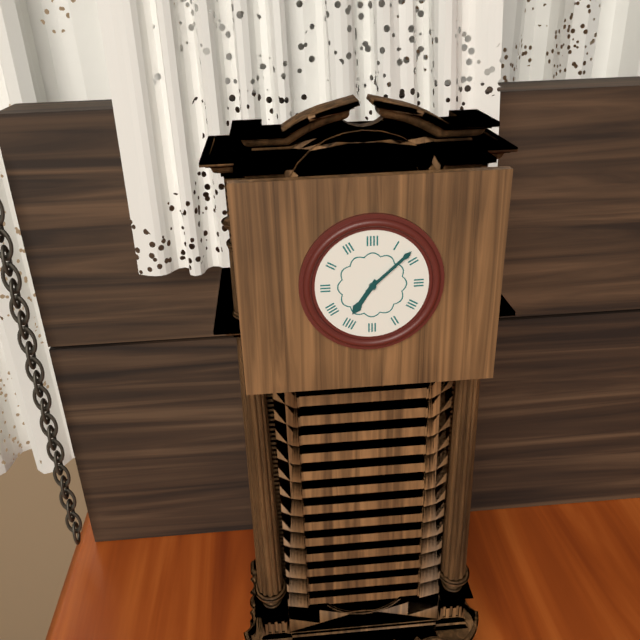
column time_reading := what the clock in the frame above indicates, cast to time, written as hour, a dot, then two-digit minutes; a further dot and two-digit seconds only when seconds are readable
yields 7.08
